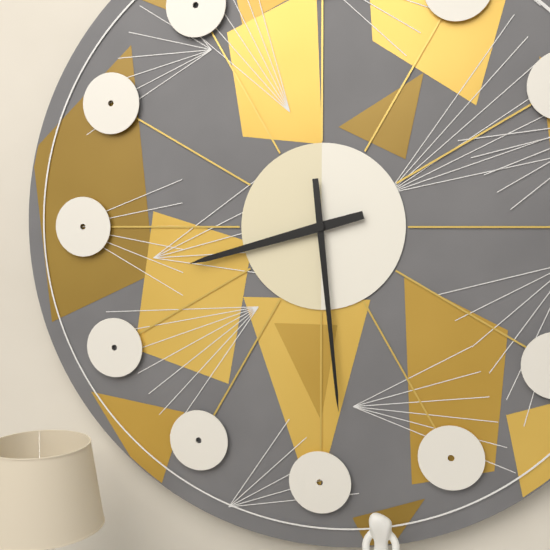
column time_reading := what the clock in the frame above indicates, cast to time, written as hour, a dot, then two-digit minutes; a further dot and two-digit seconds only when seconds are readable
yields 8.29
